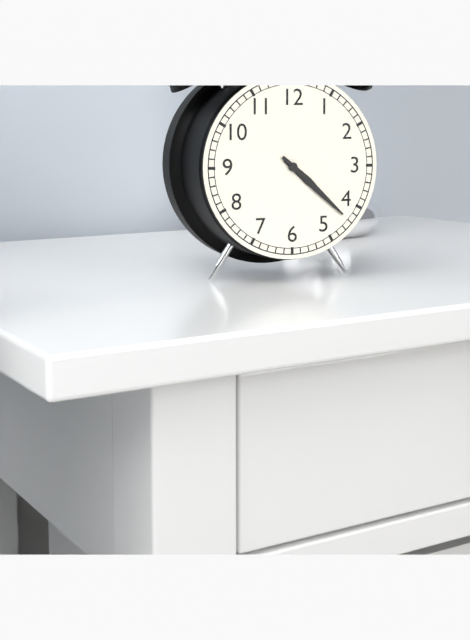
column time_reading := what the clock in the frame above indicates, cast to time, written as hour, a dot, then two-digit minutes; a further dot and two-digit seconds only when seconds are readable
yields 4.22
